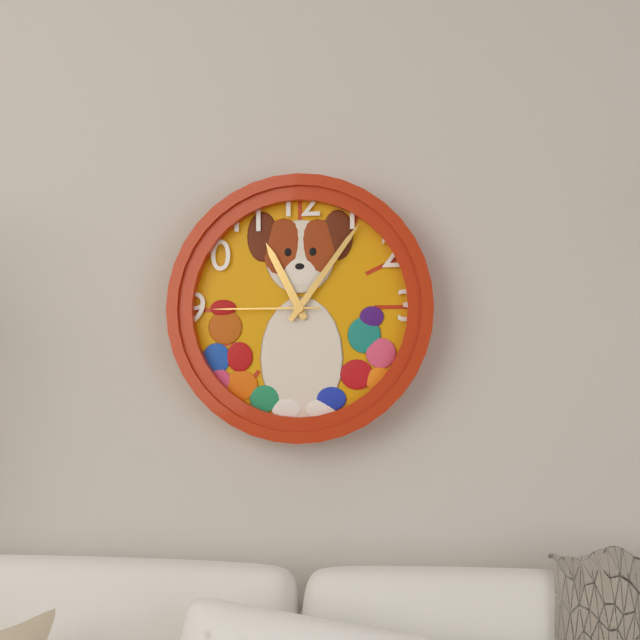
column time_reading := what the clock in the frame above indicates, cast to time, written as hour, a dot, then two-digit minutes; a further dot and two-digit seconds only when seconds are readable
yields 11.06.45
